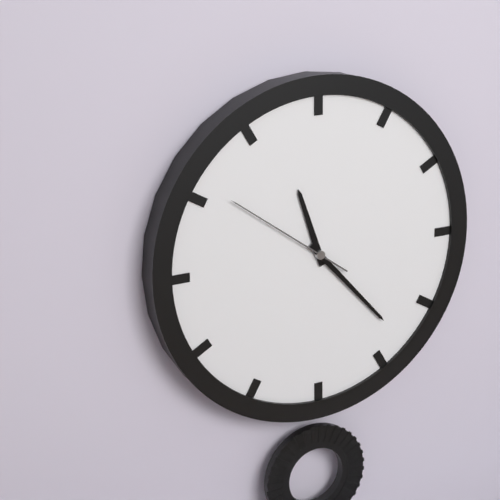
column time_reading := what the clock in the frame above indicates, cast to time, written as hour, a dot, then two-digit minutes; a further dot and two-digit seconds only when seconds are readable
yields 11.23.51
